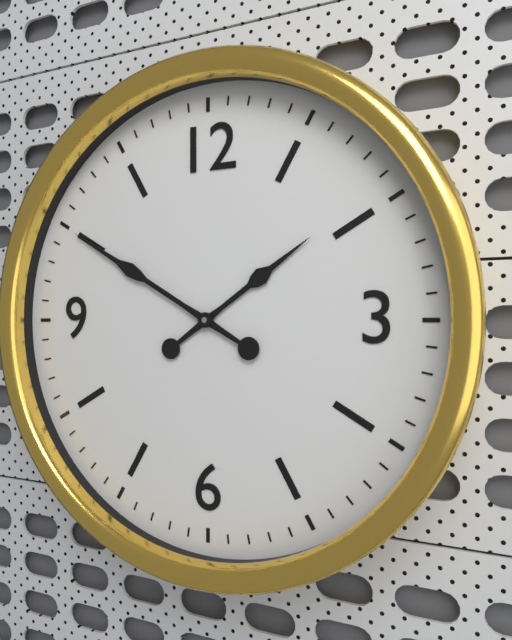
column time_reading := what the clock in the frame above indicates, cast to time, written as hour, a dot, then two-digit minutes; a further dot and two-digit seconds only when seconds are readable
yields 1.50
